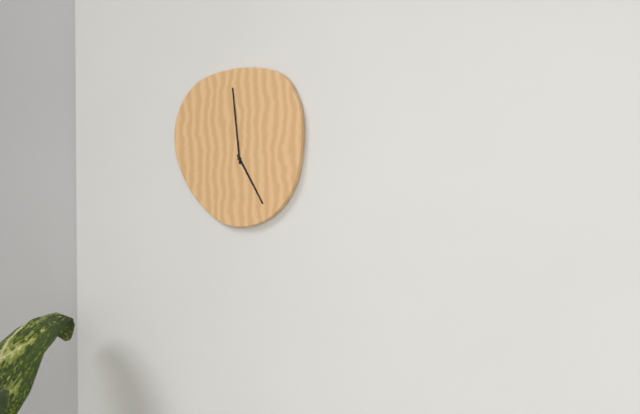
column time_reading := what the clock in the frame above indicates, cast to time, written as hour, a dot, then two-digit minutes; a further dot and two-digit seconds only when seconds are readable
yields 4.59
